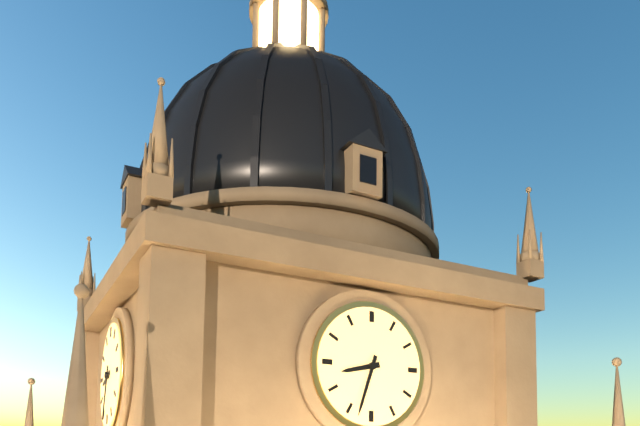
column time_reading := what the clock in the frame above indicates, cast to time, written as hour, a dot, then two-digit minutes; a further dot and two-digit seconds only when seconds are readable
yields 8.33
